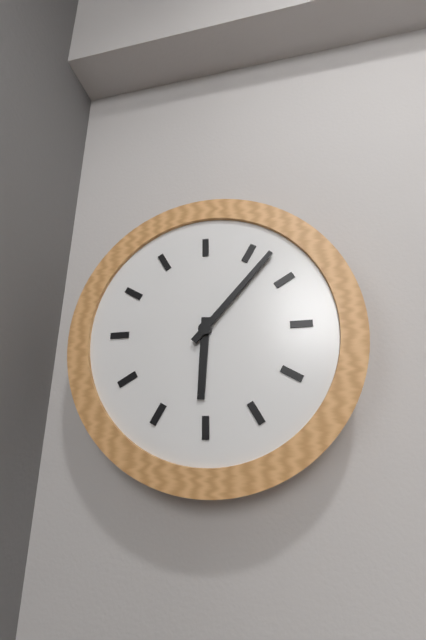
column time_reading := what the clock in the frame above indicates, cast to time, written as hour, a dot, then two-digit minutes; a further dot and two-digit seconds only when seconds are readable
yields 6.07
